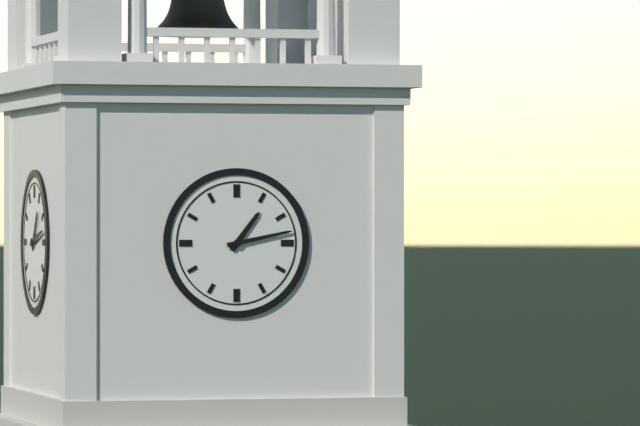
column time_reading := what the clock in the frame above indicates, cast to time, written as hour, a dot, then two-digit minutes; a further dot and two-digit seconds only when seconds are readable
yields 1.13
